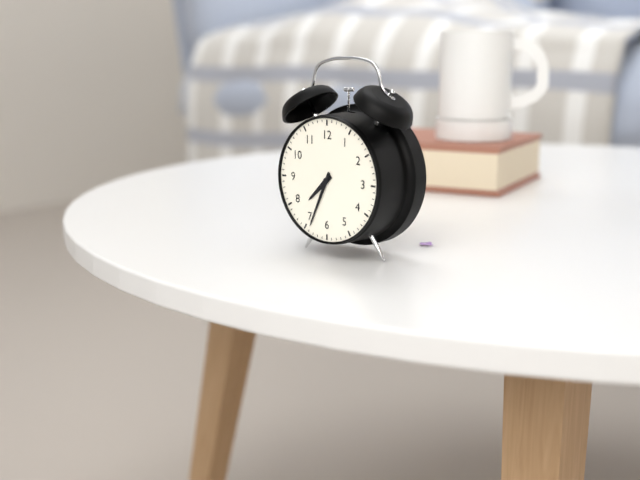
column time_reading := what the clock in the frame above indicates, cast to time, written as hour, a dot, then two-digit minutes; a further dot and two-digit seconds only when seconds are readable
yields 7.34
